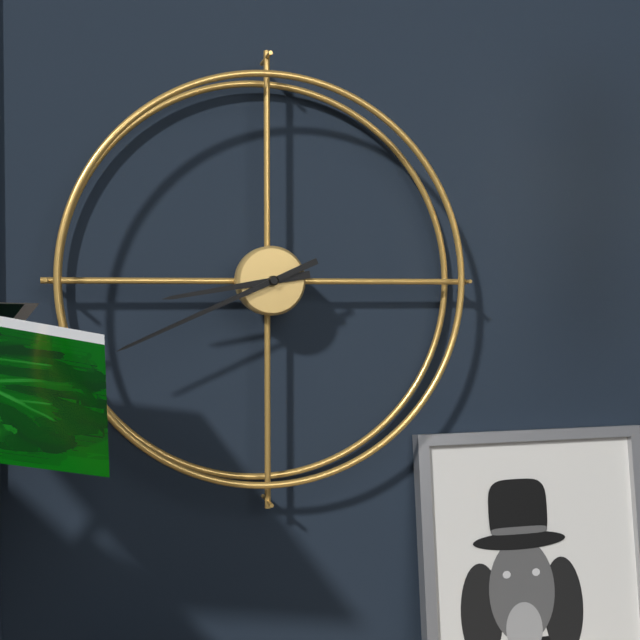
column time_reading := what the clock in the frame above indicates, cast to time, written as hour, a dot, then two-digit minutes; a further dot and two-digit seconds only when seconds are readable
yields 8.41
